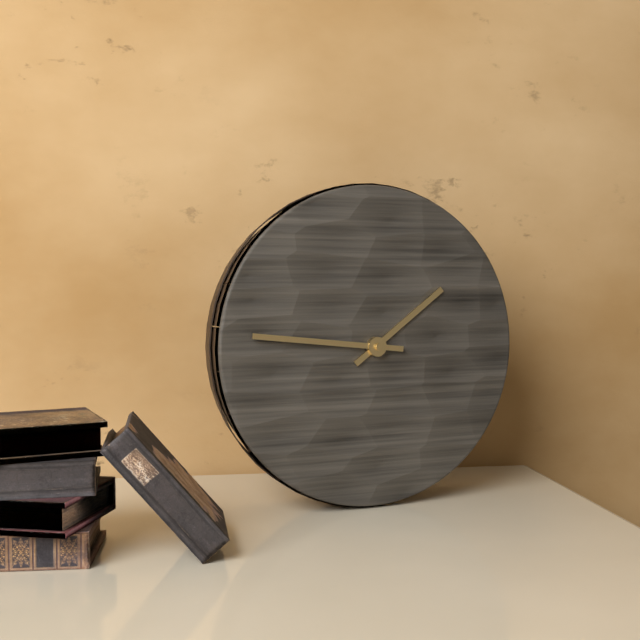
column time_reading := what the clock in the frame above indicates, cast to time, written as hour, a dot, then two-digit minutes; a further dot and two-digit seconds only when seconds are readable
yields 1.46
